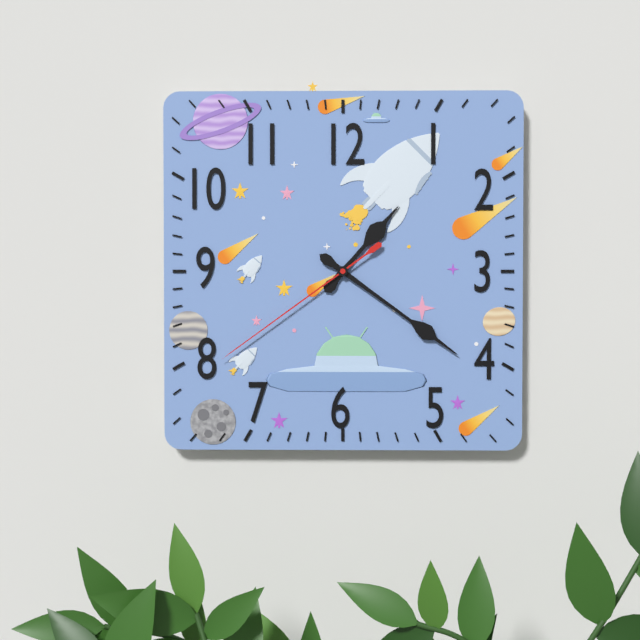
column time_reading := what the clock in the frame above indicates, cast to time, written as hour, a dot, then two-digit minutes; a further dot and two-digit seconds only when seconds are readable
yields 1.21.39
